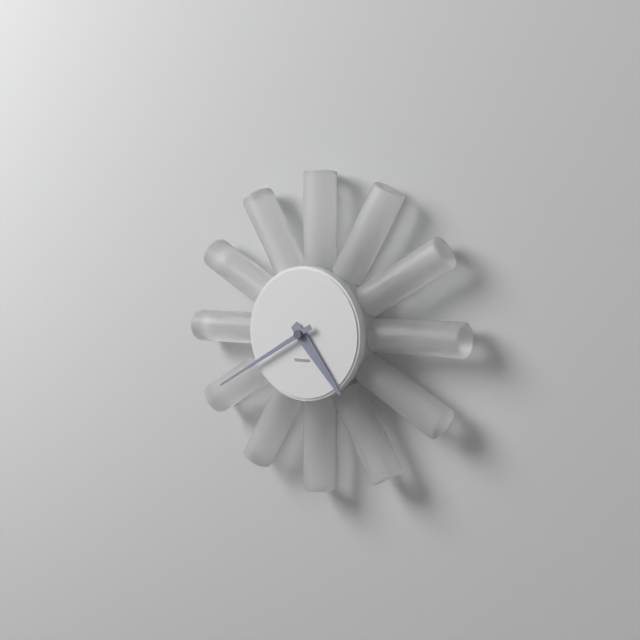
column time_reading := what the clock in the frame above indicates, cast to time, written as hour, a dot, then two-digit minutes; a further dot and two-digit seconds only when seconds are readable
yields 4.40
